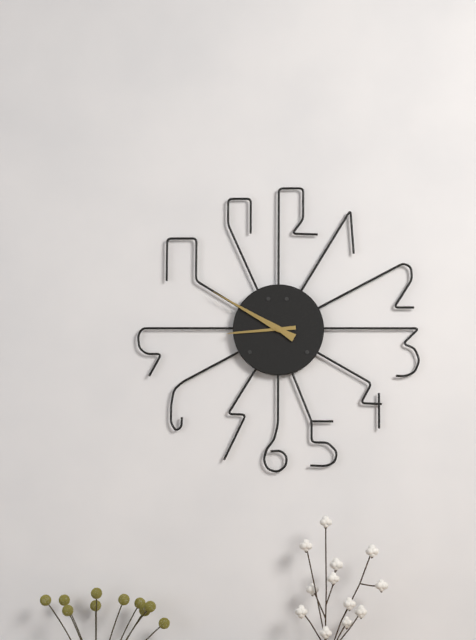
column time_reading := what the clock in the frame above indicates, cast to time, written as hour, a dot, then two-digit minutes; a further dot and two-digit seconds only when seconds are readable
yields 8.50
